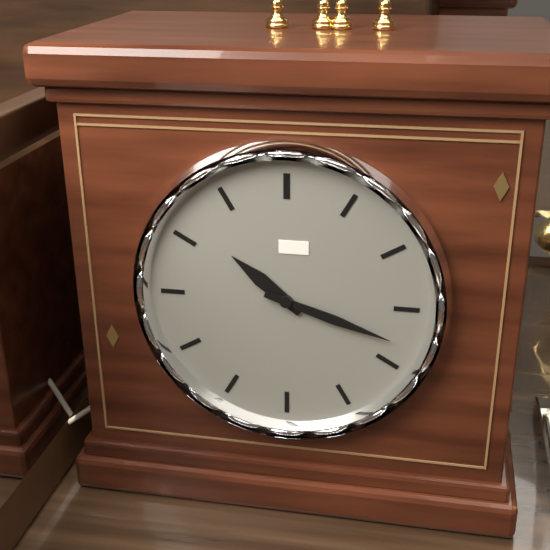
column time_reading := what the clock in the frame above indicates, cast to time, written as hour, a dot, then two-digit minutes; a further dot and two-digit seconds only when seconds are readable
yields 10.18
